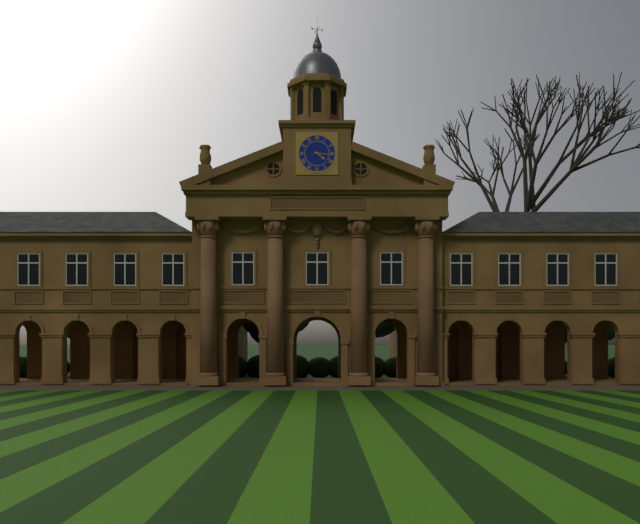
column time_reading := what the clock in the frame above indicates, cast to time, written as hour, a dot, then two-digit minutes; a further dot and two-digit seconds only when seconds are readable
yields 4.16
